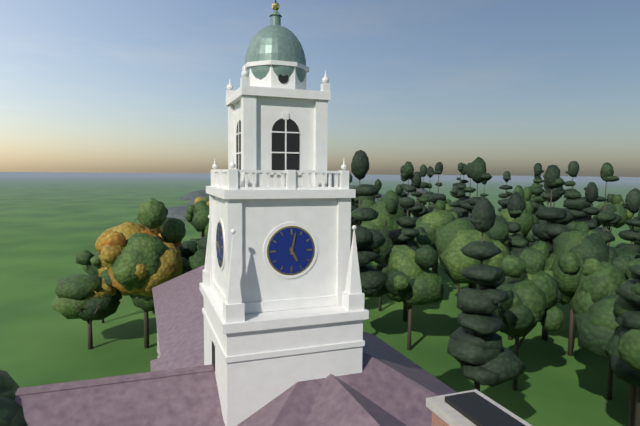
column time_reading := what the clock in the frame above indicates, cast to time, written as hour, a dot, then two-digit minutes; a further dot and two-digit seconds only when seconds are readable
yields 5.02
